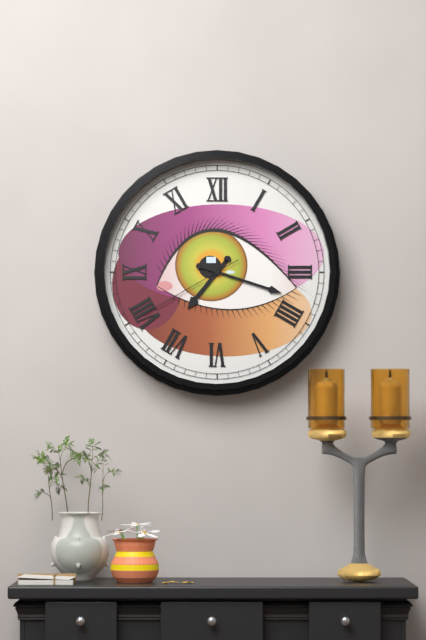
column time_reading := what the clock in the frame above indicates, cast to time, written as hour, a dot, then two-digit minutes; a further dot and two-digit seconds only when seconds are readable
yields 7.18.40
